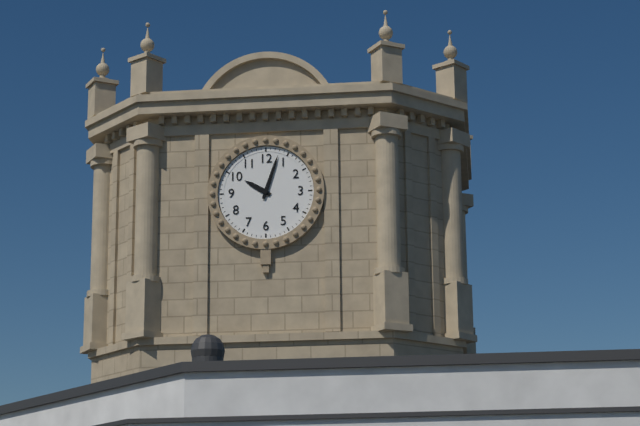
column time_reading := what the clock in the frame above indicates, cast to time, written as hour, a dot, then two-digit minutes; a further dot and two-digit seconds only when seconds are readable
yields 10.03
